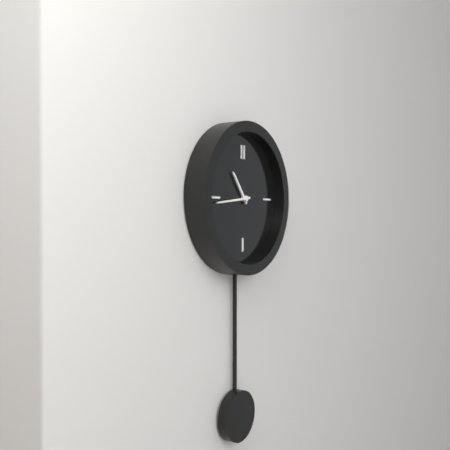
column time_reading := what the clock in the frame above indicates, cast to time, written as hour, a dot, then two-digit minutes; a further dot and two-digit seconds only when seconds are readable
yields 10.44
